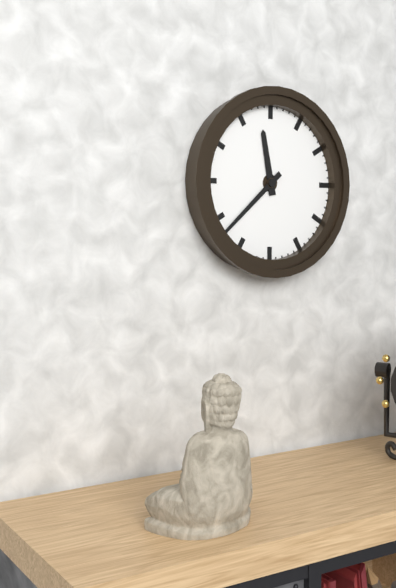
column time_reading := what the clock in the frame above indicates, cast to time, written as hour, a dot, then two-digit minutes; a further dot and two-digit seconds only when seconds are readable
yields 11.38
